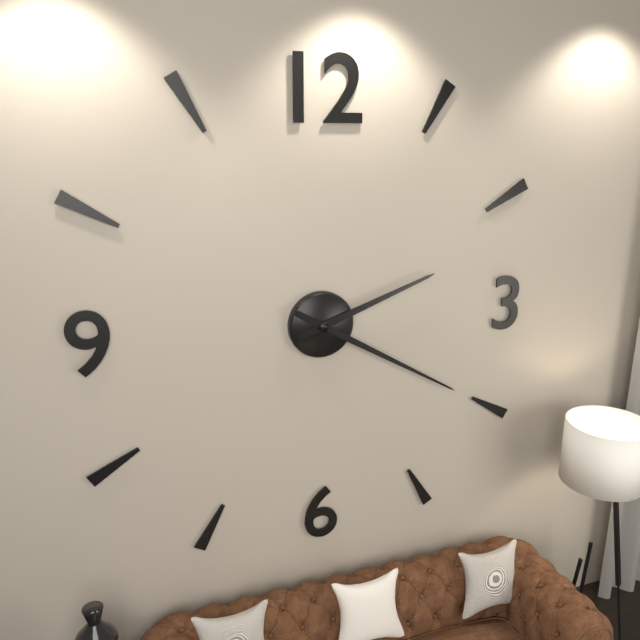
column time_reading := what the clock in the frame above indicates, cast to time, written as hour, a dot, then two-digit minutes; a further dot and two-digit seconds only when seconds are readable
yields 2.20
